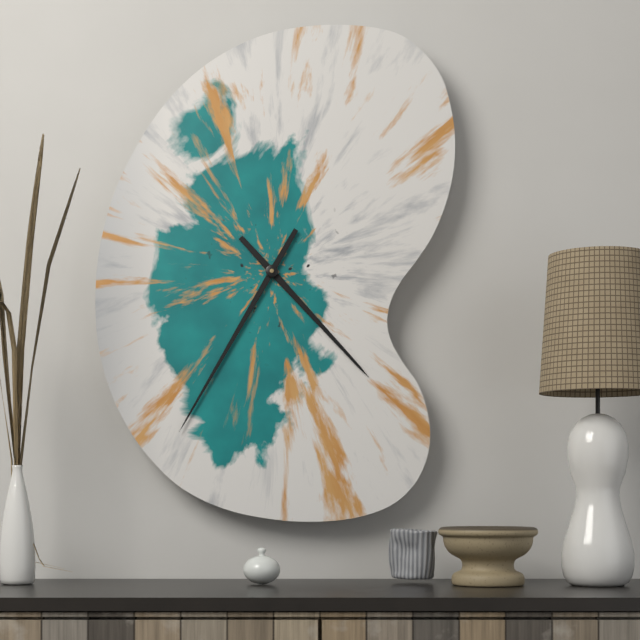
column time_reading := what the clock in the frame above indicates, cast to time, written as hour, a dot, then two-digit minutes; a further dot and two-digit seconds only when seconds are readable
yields 4.35
